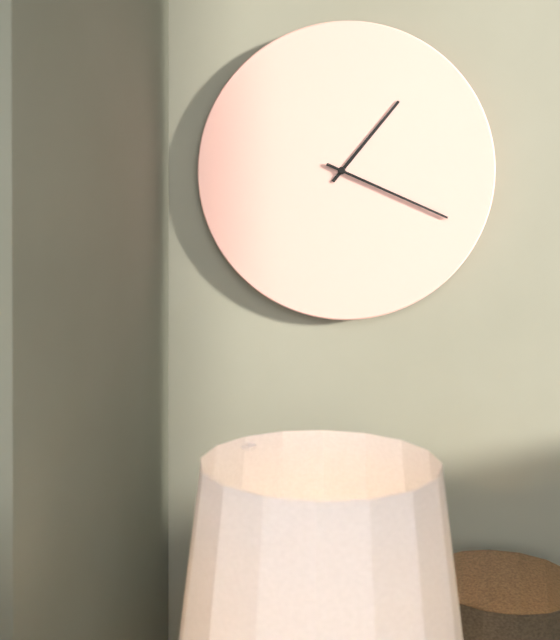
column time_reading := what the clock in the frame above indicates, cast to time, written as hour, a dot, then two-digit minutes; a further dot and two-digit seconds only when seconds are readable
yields 1.19
